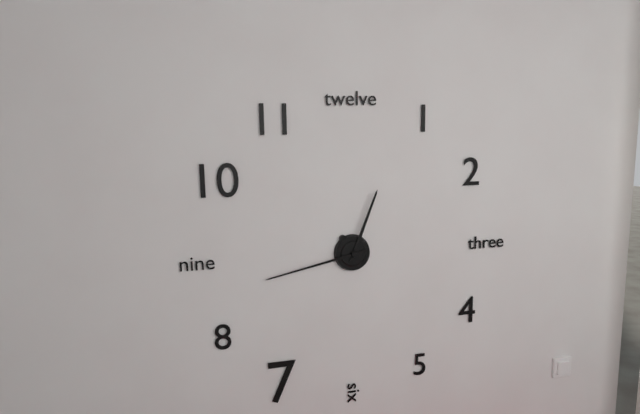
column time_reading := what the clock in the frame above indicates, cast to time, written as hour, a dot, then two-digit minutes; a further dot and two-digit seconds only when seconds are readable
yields 12.43
